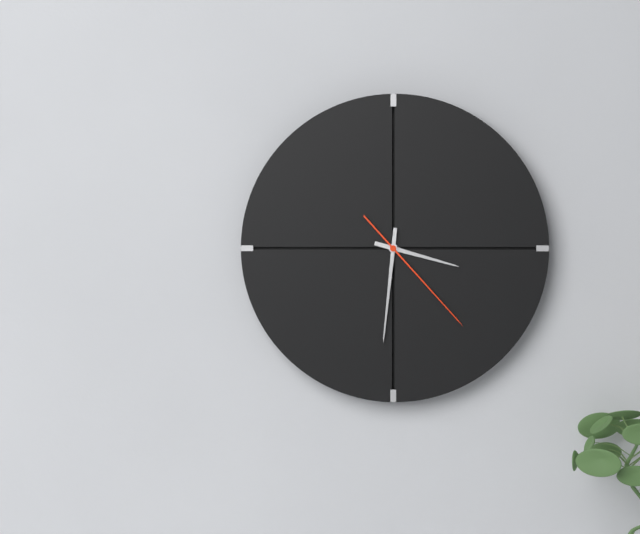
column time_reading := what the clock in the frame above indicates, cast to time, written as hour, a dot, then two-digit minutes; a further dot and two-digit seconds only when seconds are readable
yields 3.31.23
